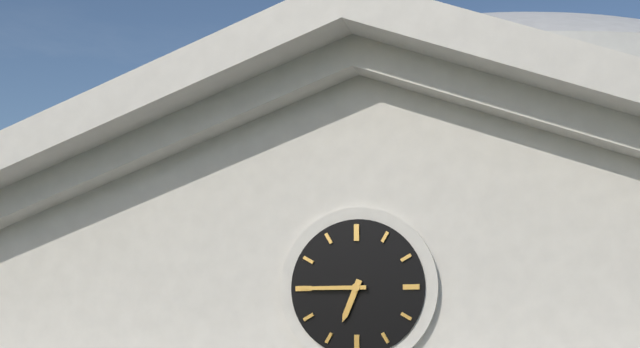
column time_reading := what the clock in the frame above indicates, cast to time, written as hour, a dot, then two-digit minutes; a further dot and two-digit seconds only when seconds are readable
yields 6.45
